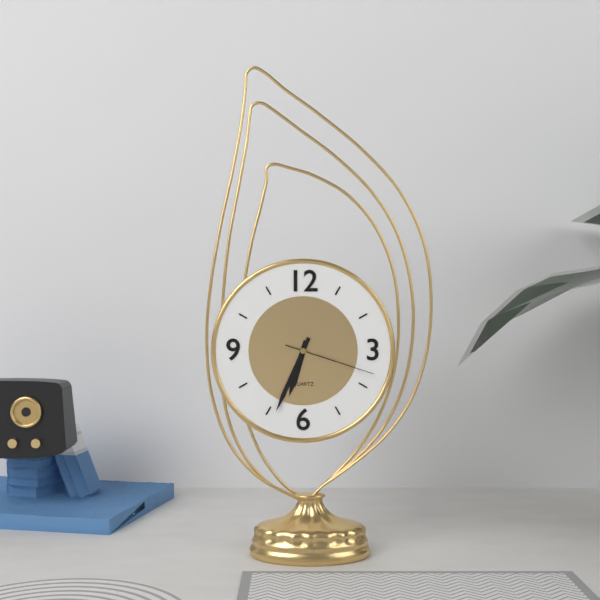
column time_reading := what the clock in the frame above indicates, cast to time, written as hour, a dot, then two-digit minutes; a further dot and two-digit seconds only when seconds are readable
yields 6.34.18
